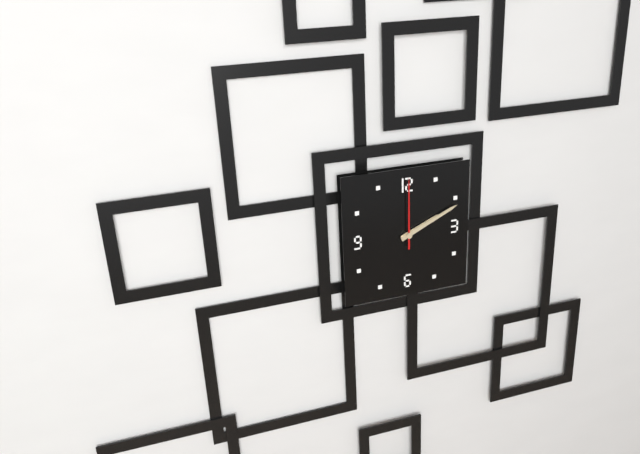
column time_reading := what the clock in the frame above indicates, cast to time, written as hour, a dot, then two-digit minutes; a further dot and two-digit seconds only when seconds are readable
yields 2.11.00
